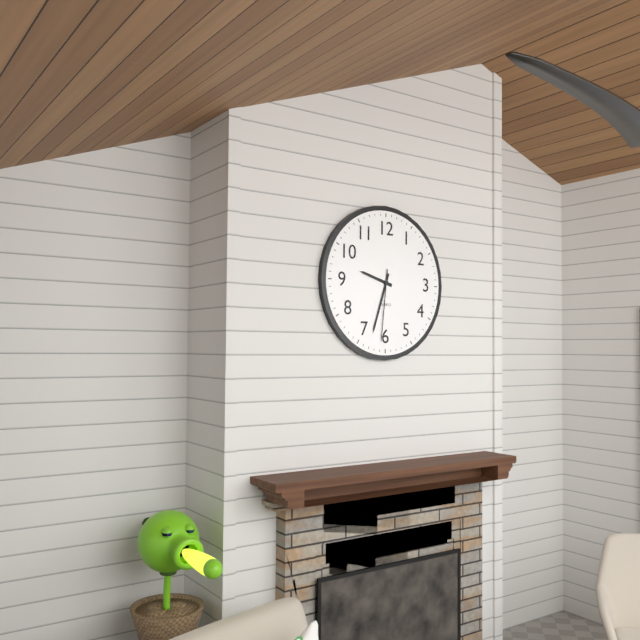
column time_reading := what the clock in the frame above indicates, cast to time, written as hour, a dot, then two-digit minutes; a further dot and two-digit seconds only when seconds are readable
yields 9.33.31
